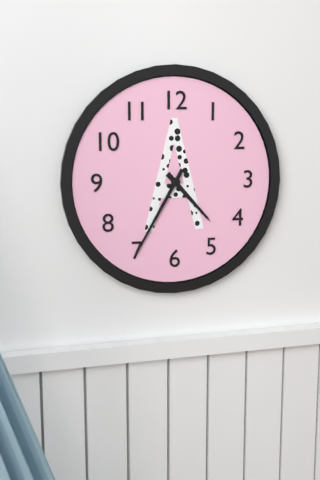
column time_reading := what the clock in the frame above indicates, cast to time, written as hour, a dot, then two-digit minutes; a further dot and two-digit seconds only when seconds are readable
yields 4.35
